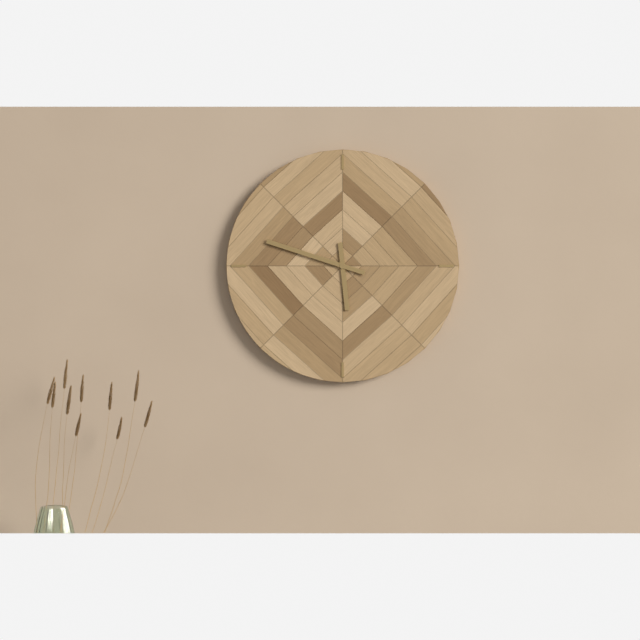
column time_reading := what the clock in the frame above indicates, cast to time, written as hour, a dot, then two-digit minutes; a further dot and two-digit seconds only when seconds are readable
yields 5.48
